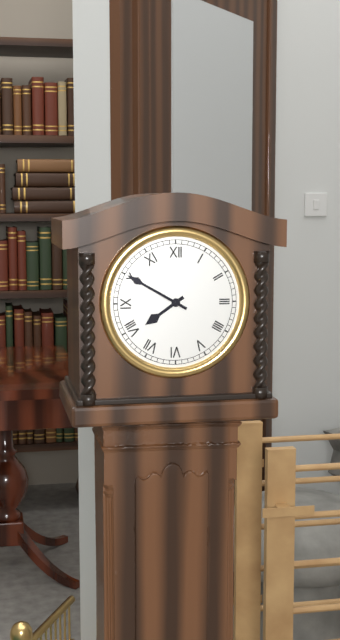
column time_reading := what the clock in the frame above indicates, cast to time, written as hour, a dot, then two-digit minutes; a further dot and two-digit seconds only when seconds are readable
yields 7.50
